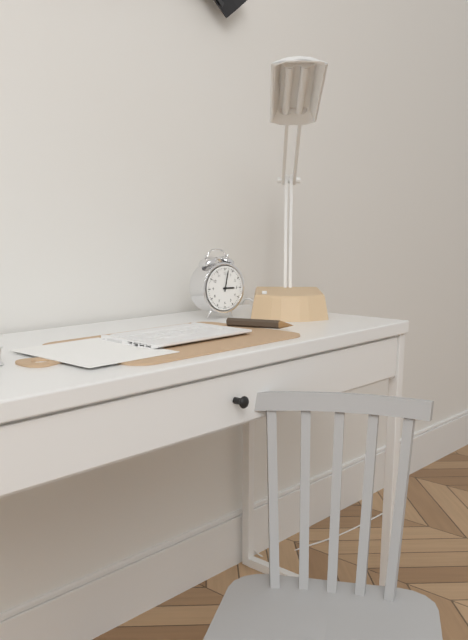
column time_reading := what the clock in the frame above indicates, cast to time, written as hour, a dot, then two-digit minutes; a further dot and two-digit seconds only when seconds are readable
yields 3.02
